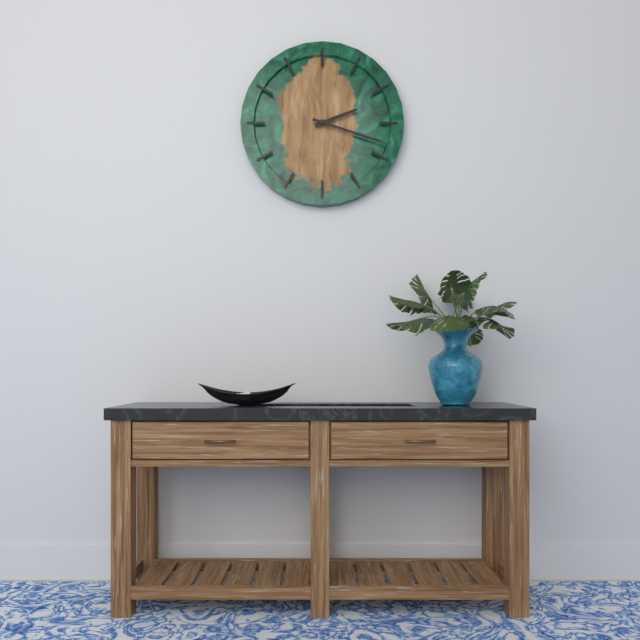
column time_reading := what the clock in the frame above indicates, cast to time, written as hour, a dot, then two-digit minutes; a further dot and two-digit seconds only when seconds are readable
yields 2.18
